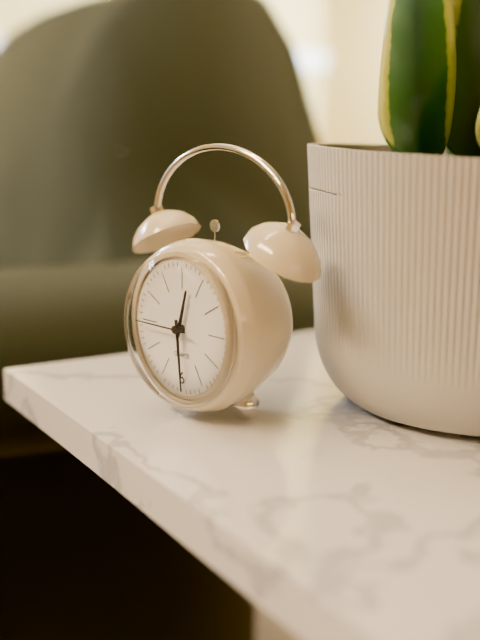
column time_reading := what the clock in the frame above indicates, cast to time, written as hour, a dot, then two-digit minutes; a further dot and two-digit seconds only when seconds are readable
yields 12.29.45
